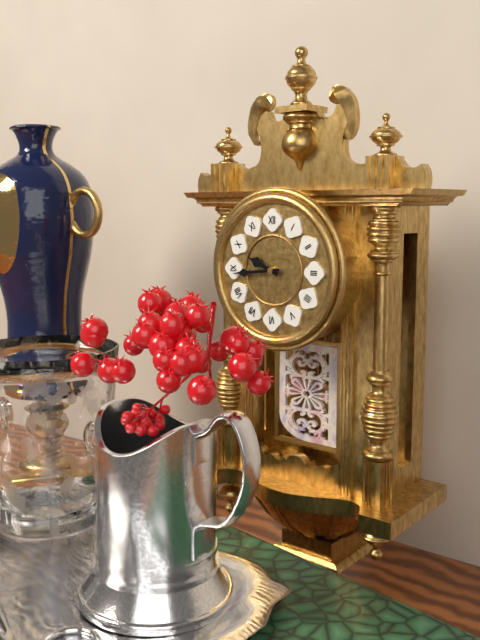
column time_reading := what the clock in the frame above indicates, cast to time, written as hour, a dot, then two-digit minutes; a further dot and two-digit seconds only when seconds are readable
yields 9.44
